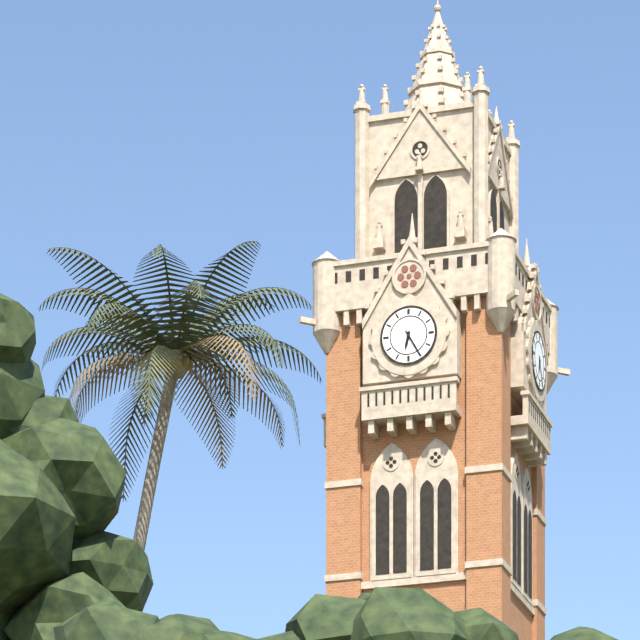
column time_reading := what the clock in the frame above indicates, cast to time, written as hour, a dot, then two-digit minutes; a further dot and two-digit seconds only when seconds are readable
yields 6.25
